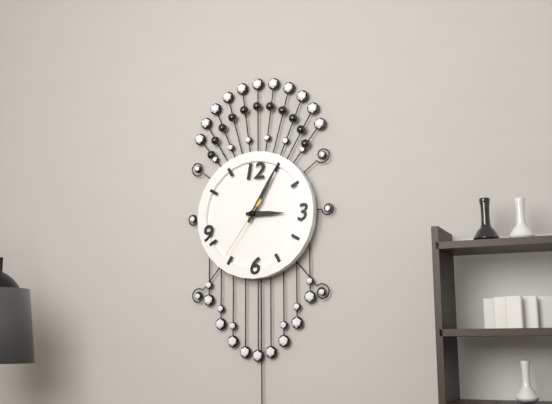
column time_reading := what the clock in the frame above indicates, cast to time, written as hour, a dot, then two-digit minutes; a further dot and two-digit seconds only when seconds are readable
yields 3.05.36
